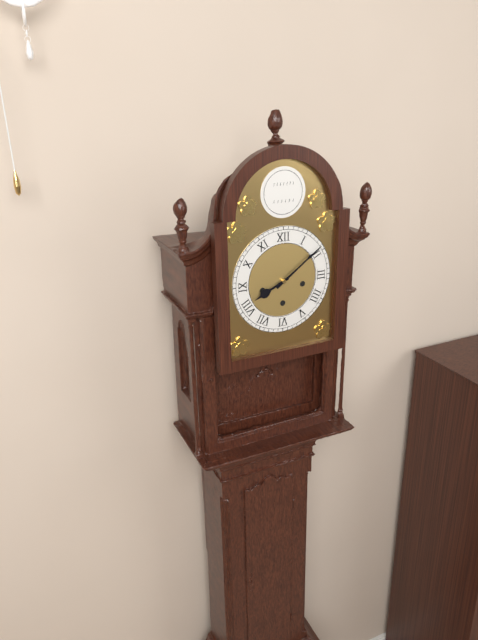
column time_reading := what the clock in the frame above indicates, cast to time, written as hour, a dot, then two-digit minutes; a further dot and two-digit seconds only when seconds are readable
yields 8.09
